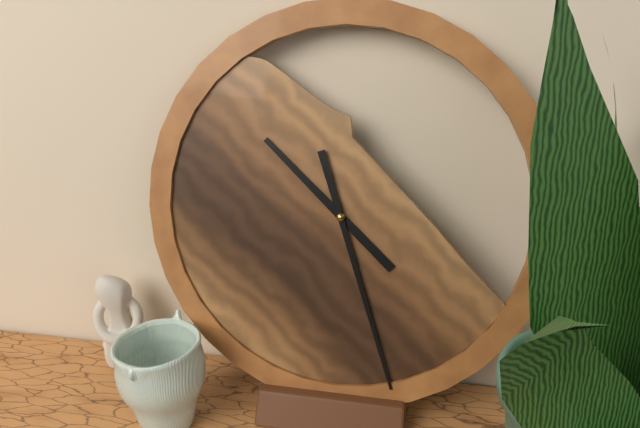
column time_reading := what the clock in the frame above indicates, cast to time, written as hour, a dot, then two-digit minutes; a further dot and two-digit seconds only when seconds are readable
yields 10.27
